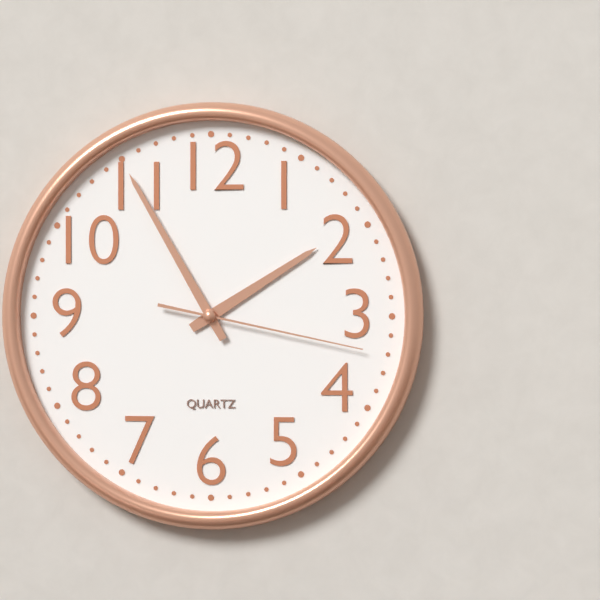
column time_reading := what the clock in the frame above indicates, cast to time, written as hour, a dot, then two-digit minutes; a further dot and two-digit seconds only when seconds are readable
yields 1.55.17
